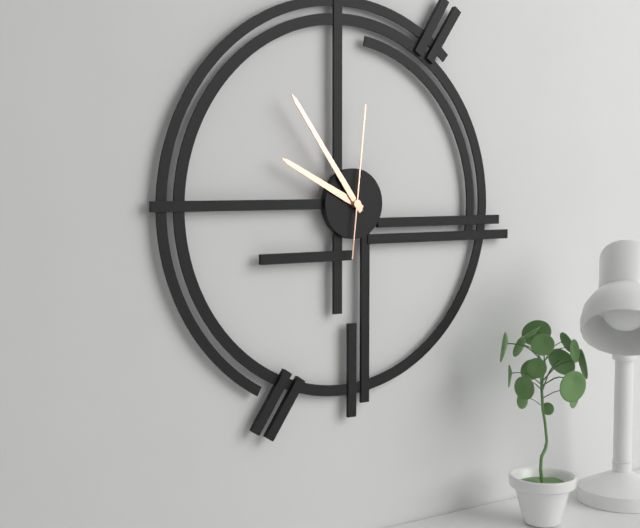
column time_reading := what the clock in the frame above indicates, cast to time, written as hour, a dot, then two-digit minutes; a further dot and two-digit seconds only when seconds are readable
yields 9.54.01
